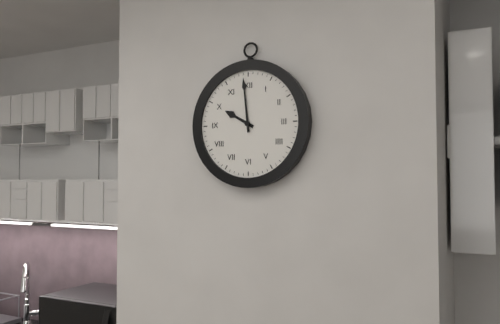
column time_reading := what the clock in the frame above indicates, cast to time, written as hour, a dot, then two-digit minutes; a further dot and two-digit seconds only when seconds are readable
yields 9.59
